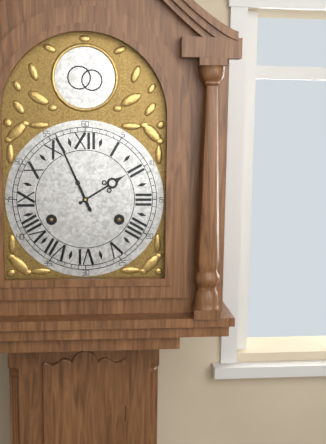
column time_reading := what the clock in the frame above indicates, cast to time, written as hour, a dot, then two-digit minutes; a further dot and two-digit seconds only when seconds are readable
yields 1.56
